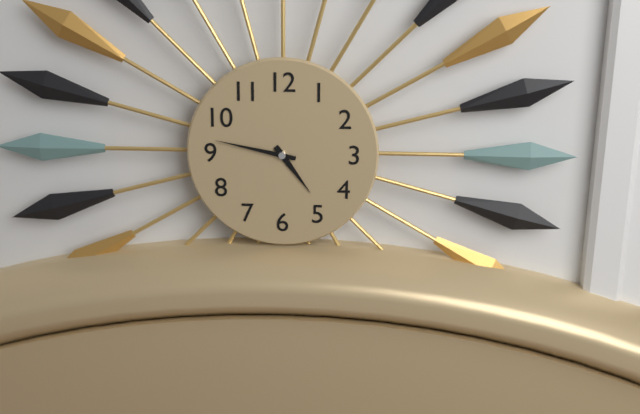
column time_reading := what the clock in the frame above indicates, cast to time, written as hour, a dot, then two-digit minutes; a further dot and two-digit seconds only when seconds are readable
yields 4.47
